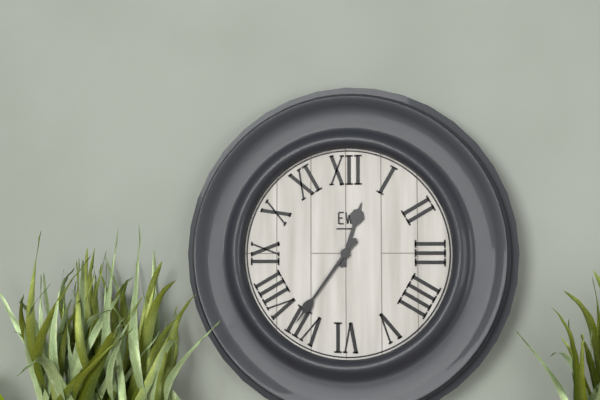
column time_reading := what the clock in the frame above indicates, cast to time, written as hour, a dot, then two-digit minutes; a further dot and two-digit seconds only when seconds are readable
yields 12.36
